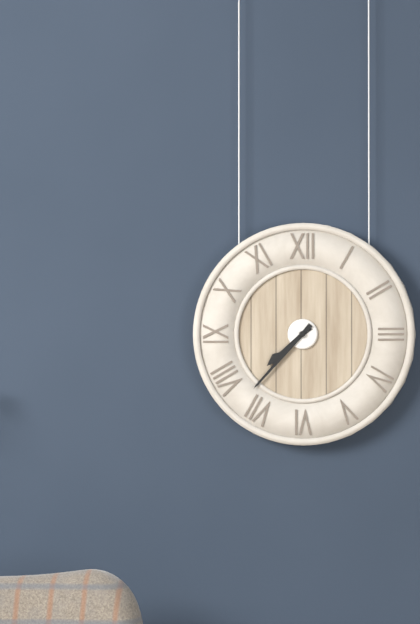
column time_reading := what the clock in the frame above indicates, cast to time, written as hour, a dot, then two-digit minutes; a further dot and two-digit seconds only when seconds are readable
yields 7.37
